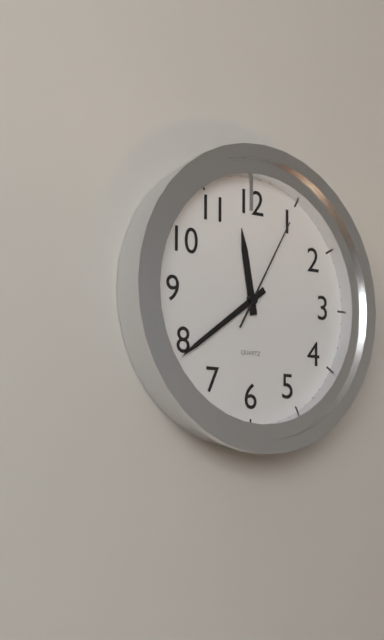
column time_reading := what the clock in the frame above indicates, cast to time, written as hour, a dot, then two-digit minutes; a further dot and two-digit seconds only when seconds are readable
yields 11.39.05
